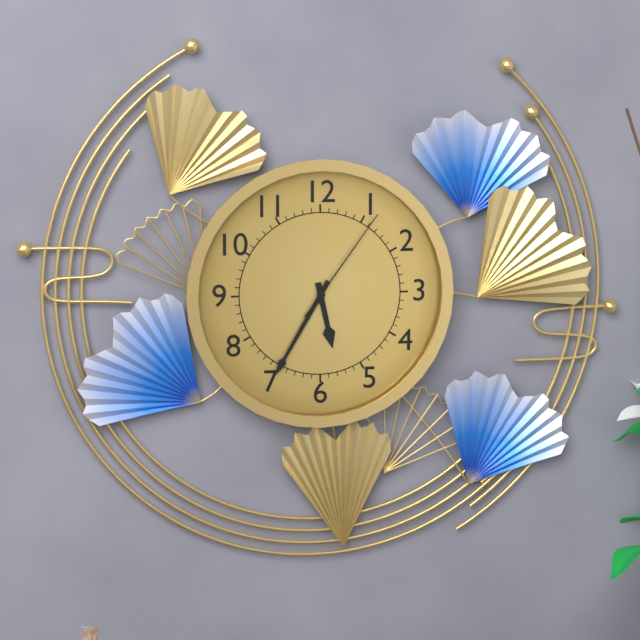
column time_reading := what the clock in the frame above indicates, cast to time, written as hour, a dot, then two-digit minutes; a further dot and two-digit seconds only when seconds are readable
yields 5.35.06
